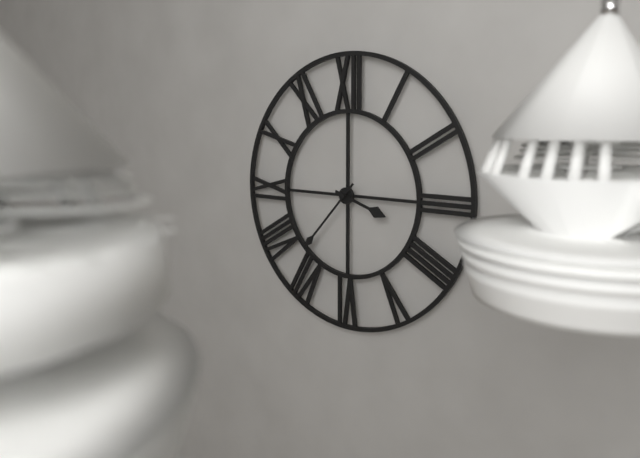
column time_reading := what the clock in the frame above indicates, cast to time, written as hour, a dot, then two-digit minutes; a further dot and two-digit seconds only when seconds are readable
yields 3.37
